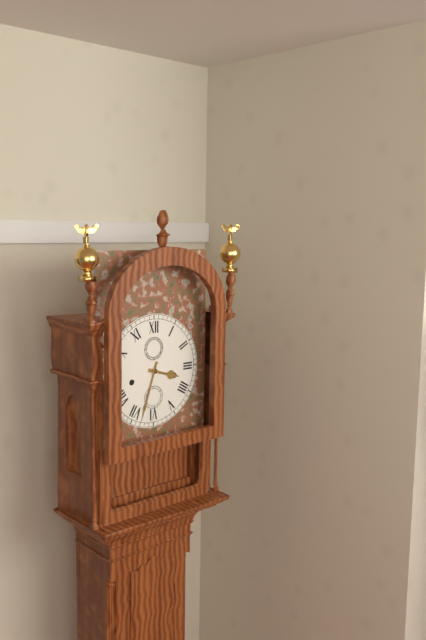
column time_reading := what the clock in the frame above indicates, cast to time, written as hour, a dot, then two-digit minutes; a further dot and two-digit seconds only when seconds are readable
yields 3.33
